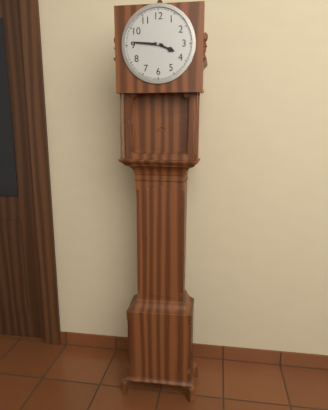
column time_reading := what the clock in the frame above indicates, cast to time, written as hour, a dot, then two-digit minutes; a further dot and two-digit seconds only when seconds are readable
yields 3.46
